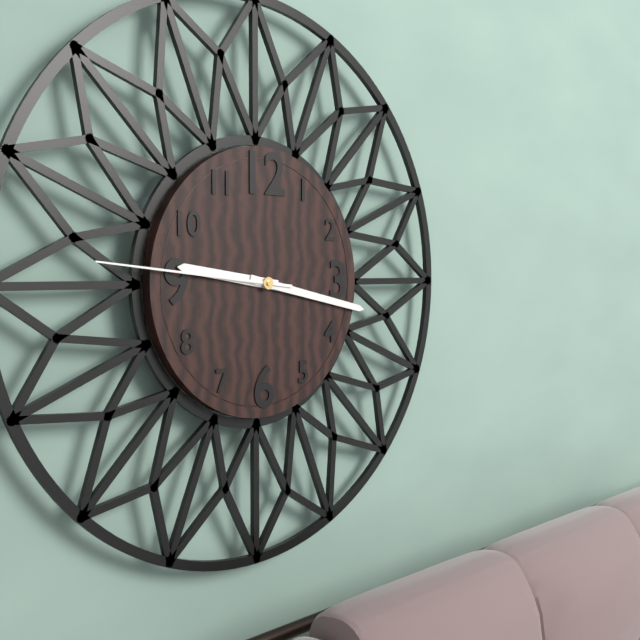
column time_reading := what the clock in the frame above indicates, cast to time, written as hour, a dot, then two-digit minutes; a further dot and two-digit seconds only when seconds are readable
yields 9.17.46
